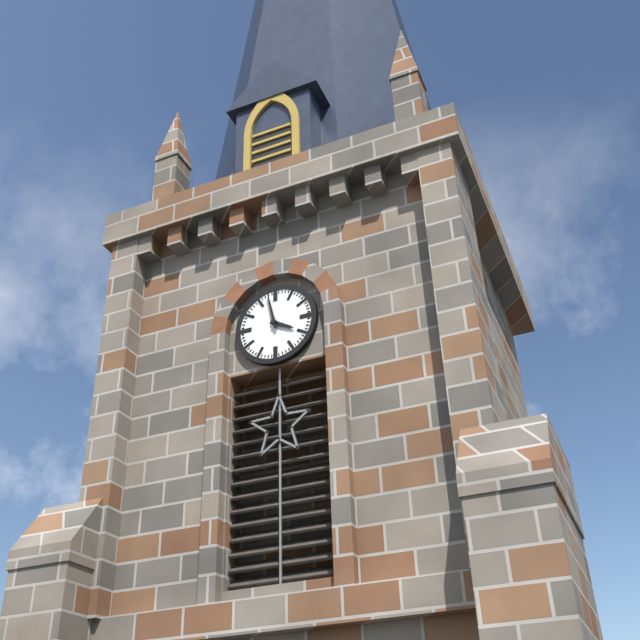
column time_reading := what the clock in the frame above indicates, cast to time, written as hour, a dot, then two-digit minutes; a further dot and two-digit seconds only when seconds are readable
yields 3.58
